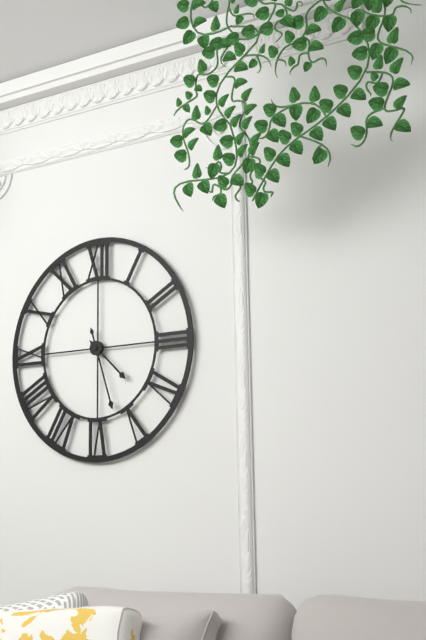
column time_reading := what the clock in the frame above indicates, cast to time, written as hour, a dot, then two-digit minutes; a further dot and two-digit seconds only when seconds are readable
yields 4.27
